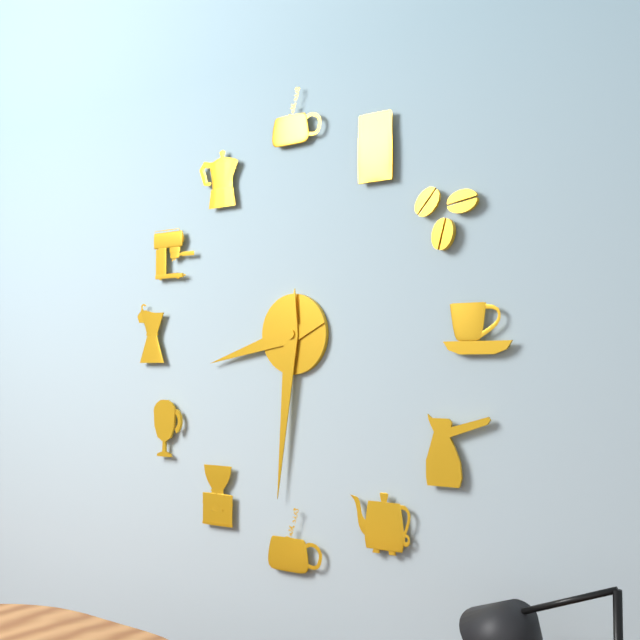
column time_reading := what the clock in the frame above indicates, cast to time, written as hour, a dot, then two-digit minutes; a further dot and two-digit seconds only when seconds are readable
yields 8.31
